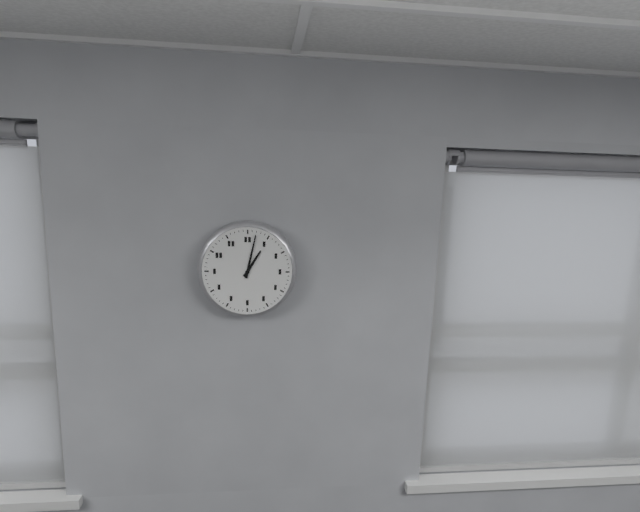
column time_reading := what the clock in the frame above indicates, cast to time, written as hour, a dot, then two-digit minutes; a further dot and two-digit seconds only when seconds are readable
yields 1.02
